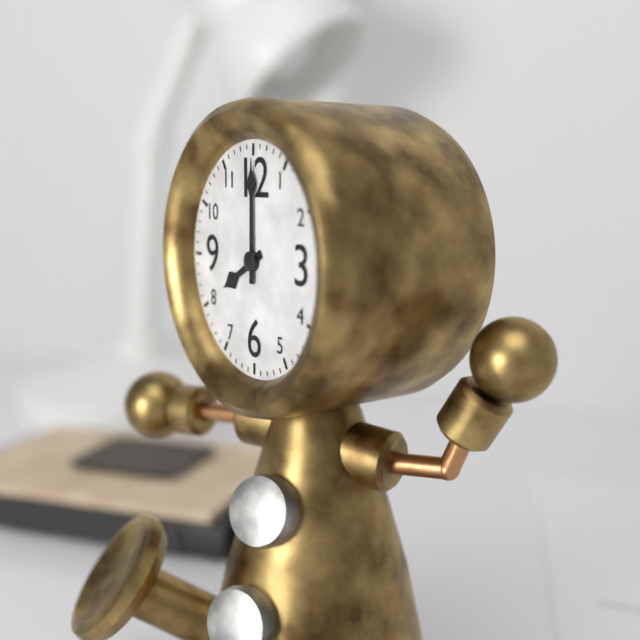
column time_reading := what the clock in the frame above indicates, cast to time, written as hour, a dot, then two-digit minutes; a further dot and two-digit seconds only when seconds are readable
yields 8.00
